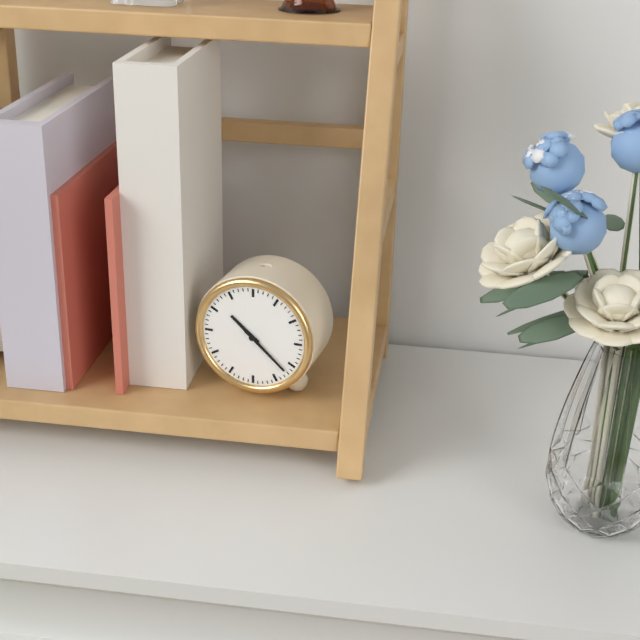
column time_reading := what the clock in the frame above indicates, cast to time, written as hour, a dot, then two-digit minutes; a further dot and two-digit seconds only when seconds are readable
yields 10.22
